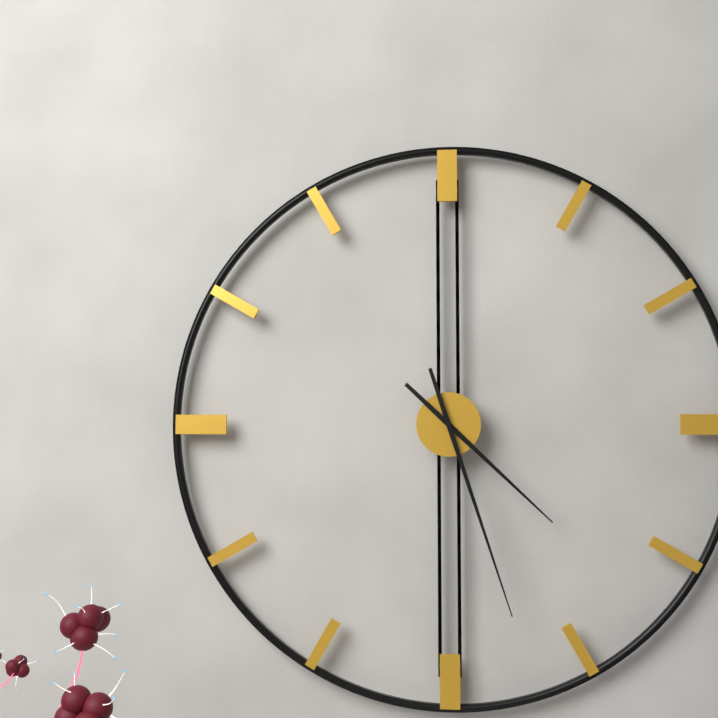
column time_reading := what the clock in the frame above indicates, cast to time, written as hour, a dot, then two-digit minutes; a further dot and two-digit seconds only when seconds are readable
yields 4.27
